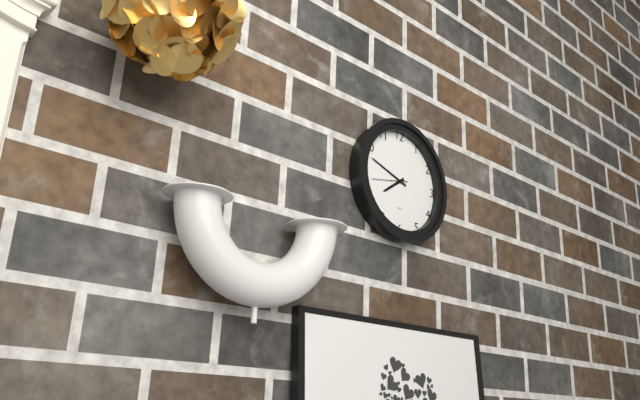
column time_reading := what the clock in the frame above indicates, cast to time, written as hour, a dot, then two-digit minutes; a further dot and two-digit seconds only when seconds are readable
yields 7.48
